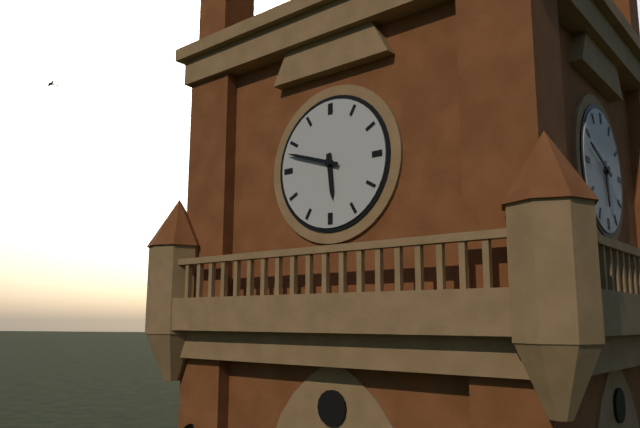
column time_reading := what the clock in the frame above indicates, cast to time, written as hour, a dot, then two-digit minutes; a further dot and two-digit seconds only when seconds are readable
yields 5.48
